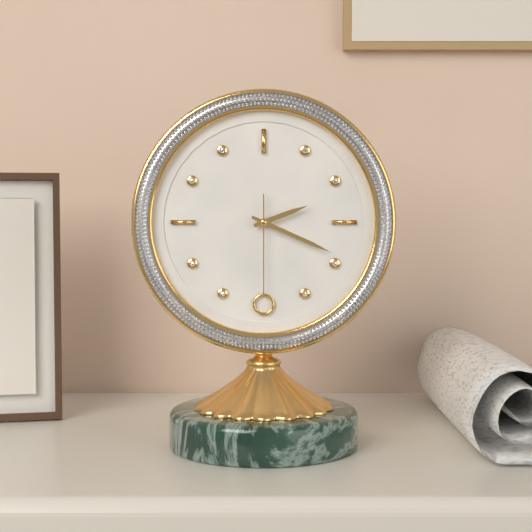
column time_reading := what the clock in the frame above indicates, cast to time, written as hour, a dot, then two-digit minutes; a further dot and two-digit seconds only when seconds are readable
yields 2.19.30
